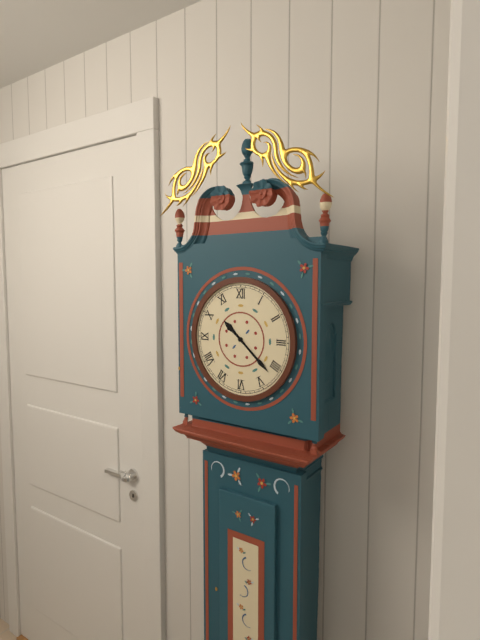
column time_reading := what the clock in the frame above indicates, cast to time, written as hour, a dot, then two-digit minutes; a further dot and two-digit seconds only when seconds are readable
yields 10.22
